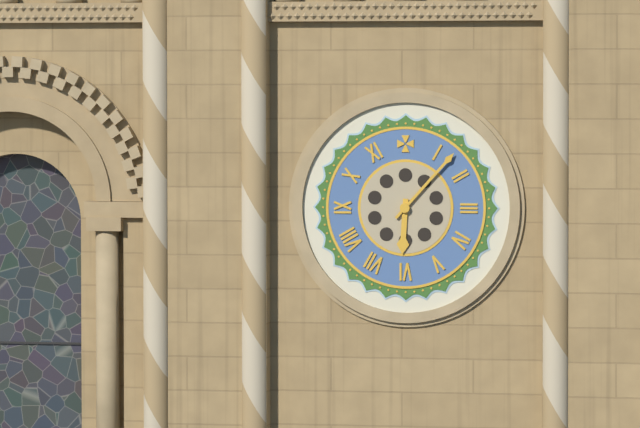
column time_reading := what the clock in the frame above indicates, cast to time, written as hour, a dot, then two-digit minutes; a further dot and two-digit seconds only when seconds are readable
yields 6.07
